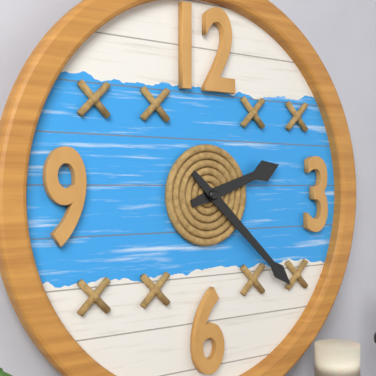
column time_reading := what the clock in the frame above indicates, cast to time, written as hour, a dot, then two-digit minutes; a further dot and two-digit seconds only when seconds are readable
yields 2.22
